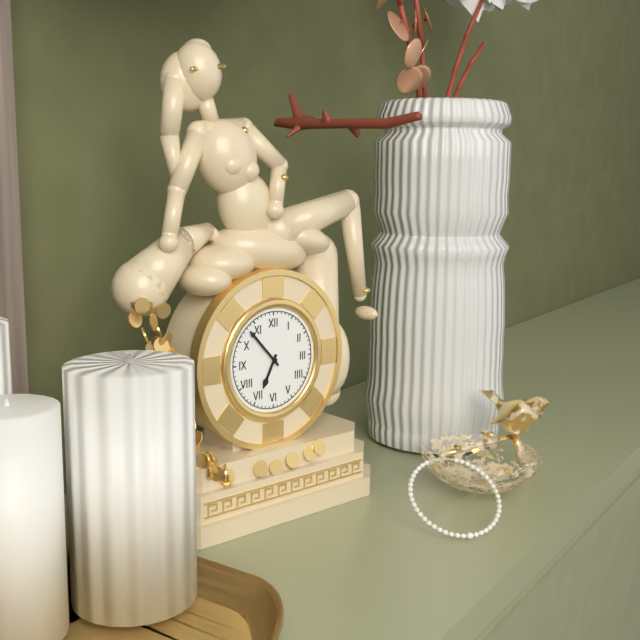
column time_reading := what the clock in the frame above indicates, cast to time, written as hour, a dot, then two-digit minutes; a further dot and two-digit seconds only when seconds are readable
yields 6.53
